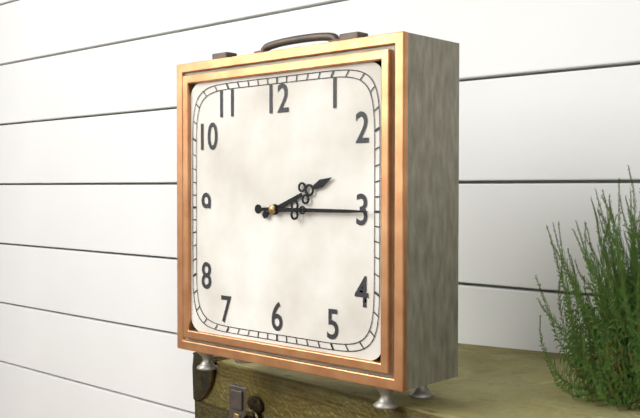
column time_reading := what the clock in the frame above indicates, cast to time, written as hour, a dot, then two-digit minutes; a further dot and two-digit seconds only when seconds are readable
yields 2.15
